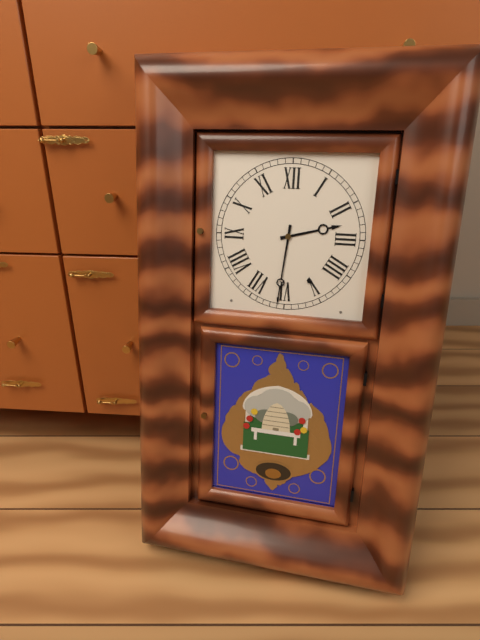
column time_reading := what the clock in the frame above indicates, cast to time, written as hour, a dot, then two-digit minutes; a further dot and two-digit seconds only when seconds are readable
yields 2.31
